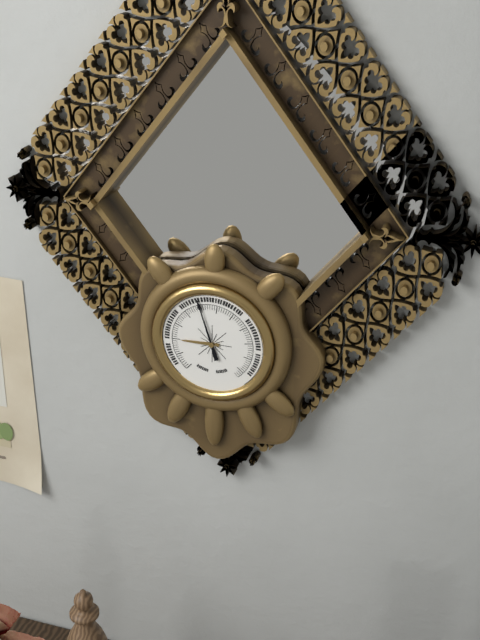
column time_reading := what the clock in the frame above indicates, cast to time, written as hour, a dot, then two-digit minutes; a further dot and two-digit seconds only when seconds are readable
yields 8.57
